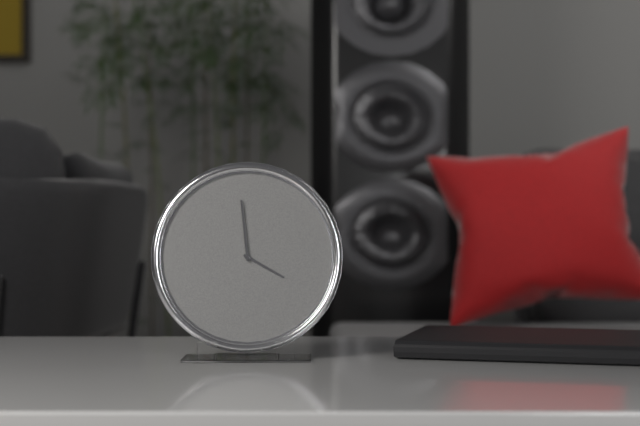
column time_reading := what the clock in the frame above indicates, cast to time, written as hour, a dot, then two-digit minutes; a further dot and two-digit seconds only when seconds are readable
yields 3.59
